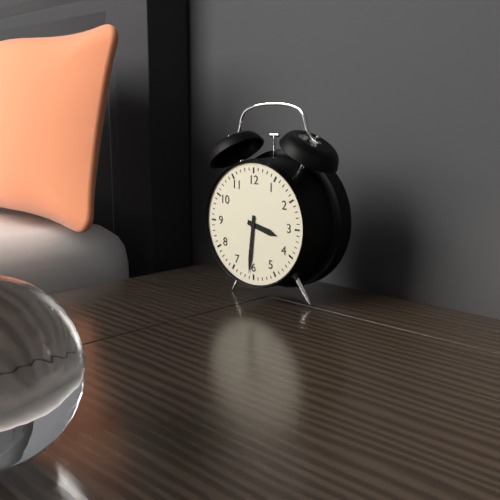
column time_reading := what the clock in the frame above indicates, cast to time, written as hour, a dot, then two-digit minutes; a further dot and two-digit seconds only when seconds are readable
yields 3.31
